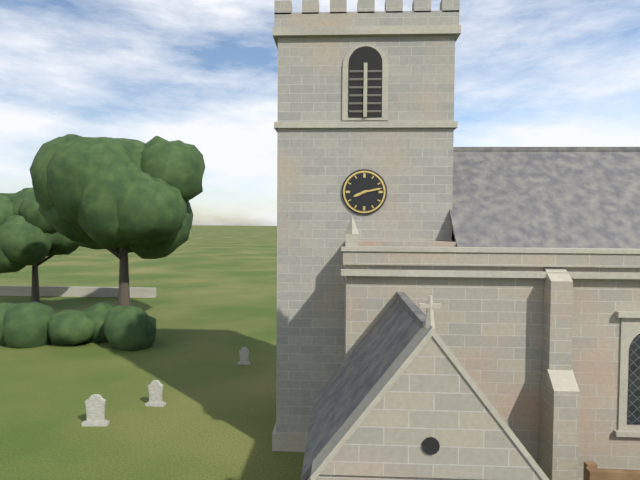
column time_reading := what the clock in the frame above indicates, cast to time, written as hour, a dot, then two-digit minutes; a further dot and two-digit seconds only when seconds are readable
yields 8.13
